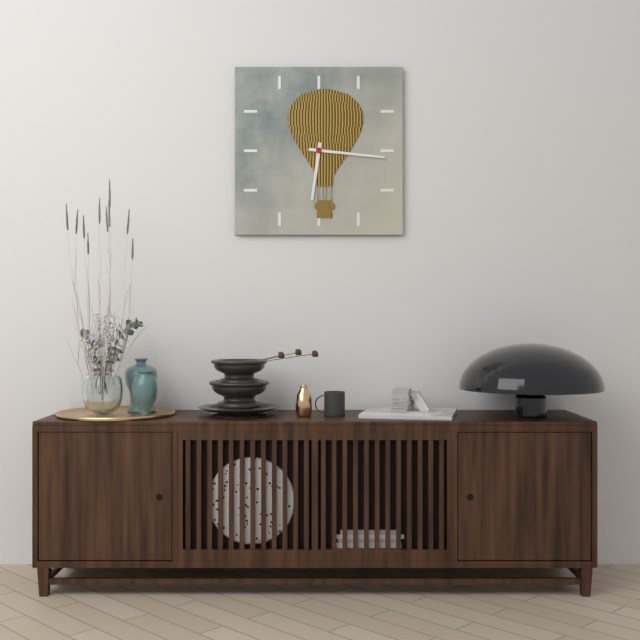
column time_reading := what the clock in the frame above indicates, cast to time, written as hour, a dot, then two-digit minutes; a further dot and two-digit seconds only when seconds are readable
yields 6.16
